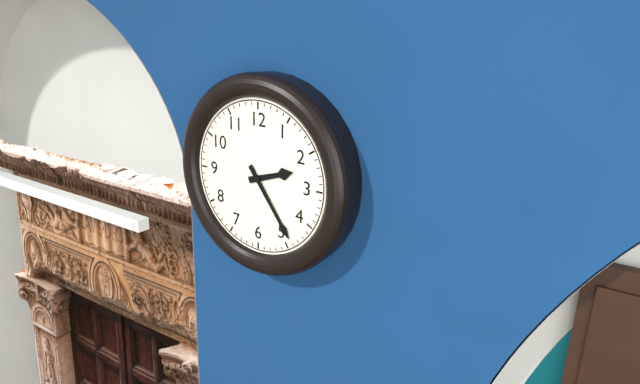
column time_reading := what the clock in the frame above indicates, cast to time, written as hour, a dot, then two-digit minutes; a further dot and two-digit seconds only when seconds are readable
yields 2.24
